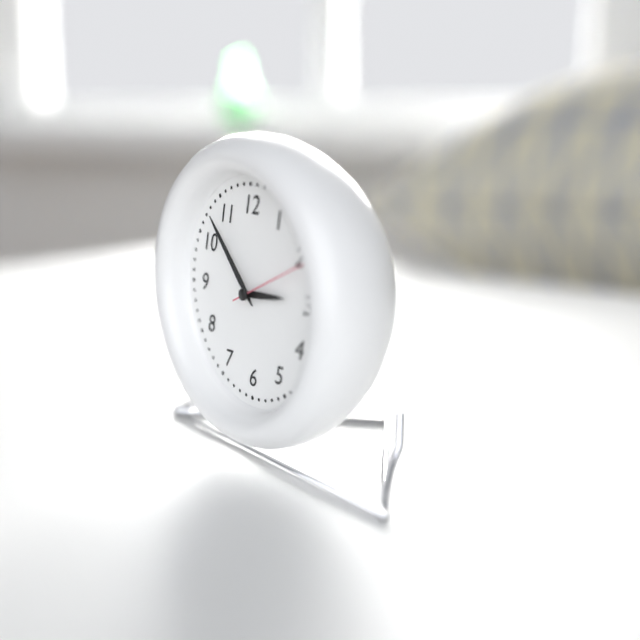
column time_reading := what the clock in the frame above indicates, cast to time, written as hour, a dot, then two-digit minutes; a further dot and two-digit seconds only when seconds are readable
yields 2.53
